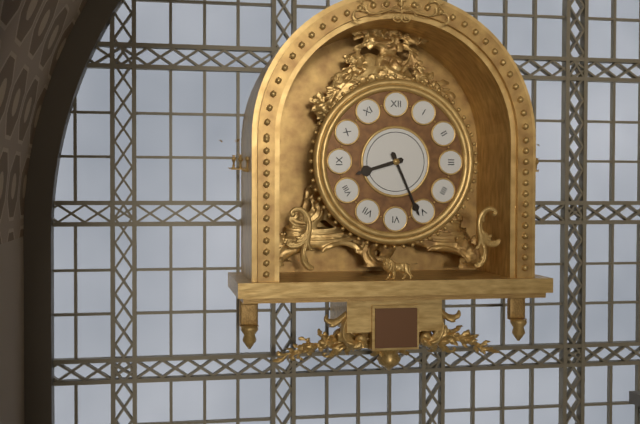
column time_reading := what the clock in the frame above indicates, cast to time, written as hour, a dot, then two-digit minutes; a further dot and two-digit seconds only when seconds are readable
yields 8.26
